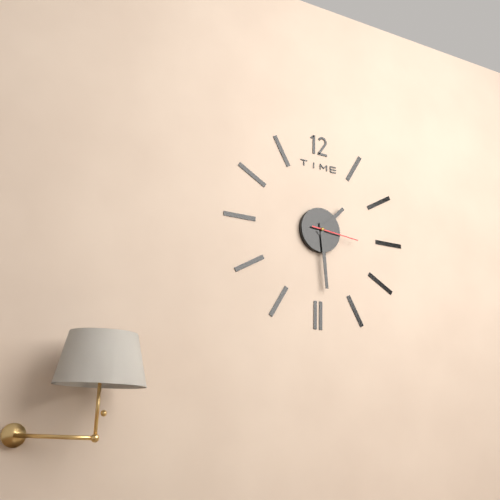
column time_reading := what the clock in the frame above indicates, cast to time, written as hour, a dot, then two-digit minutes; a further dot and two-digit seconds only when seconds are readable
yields 1.29
